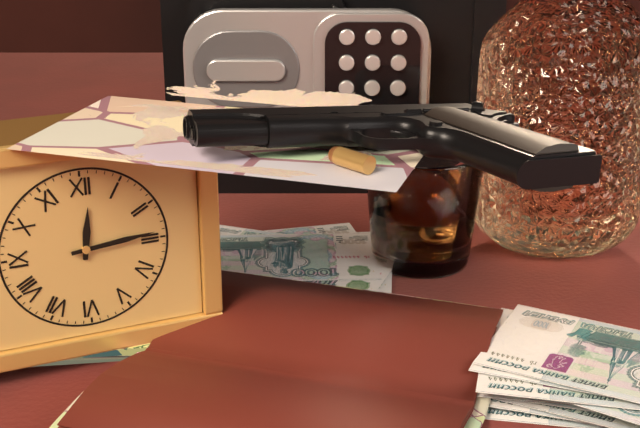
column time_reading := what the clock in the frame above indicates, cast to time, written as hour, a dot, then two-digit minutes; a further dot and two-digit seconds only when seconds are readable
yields 12.14
